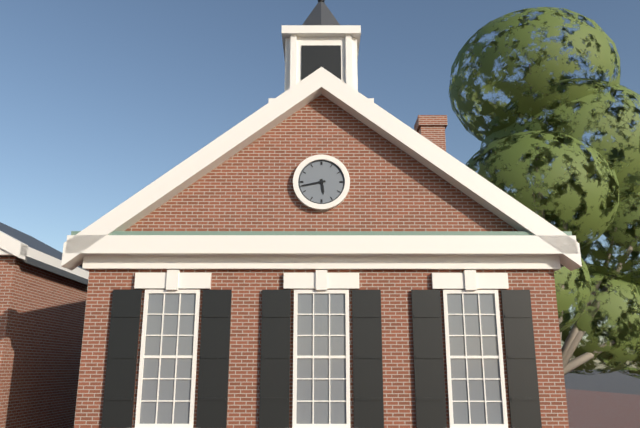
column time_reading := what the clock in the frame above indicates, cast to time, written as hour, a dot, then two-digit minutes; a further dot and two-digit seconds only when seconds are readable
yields 5.43
